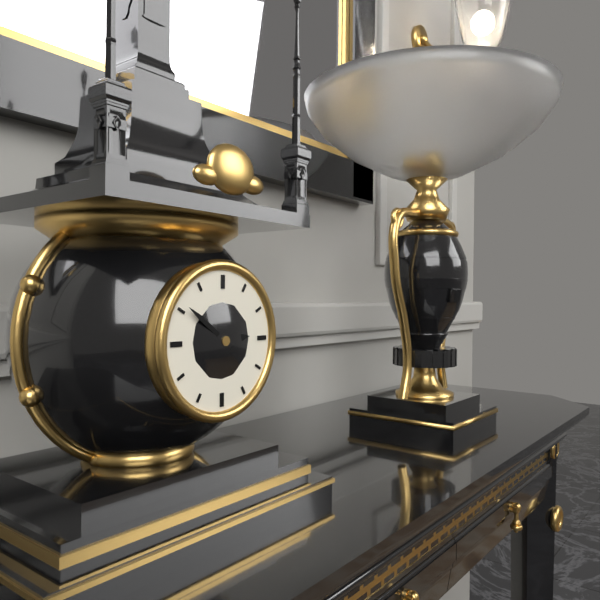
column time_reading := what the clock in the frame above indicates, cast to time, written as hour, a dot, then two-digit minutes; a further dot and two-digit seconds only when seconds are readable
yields 2.51
